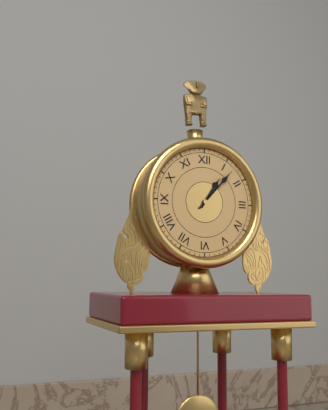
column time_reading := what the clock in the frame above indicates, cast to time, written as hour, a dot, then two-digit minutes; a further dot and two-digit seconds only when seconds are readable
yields 1.07
